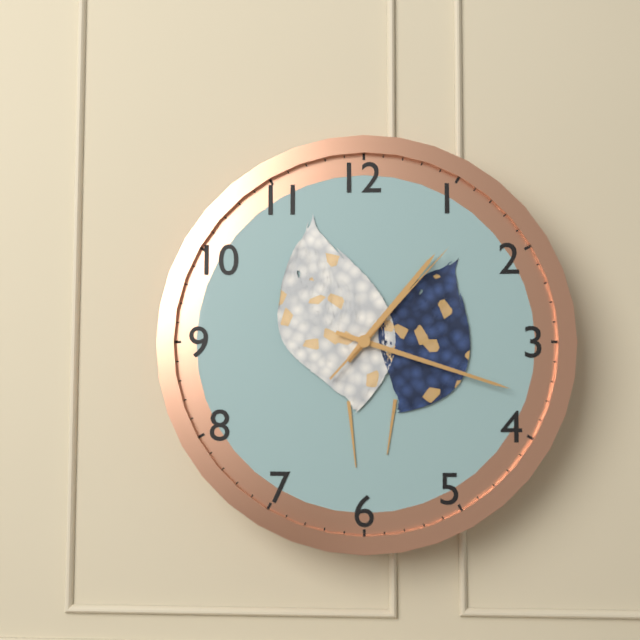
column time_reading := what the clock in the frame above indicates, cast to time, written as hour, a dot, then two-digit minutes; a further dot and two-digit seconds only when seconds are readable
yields 1.18.07
